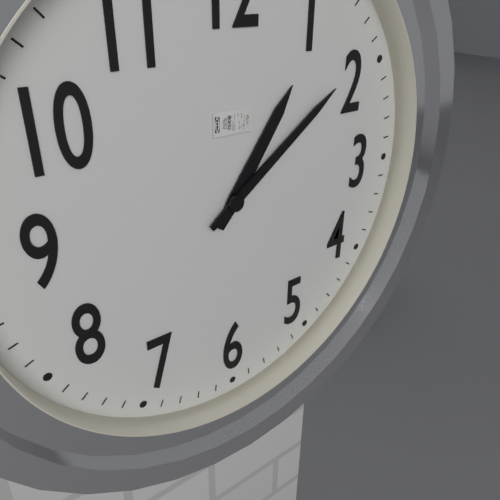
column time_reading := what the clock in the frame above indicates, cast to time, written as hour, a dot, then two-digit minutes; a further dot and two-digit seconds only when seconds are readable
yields 1.09
